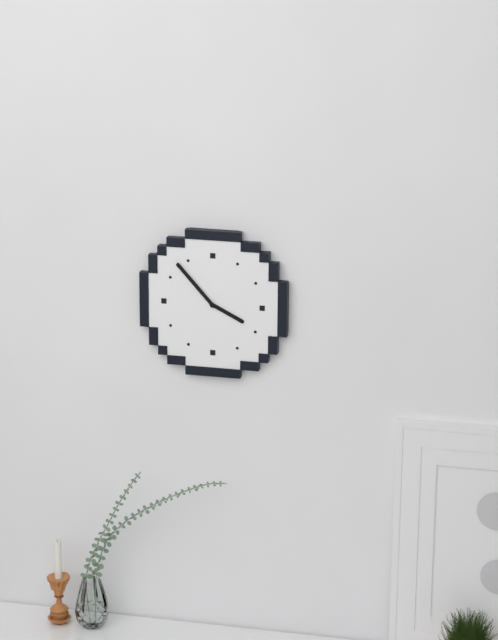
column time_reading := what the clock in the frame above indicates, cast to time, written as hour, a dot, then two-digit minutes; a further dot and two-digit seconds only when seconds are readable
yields 3.53
